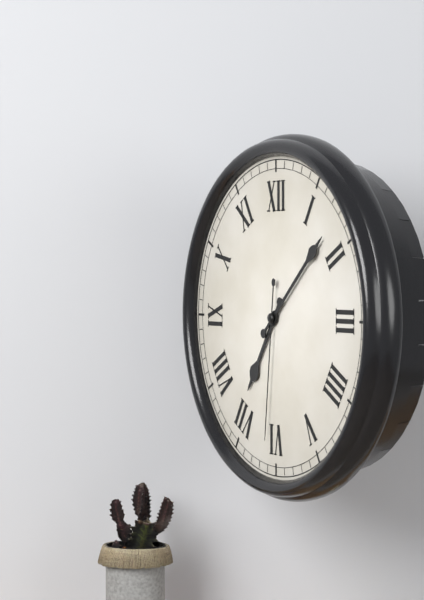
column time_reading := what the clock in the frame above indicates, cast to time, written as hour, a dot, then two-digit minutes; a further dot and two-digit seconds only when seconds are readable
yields 7.08.31
